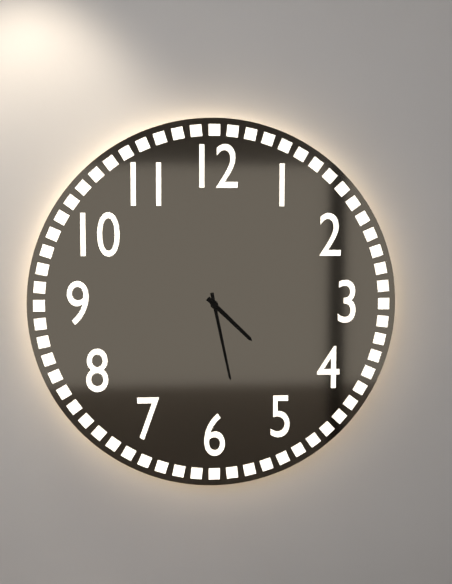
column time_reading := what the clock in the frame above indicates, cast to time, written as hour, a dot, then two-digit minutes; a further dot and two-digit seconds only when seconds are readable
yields 4.28
